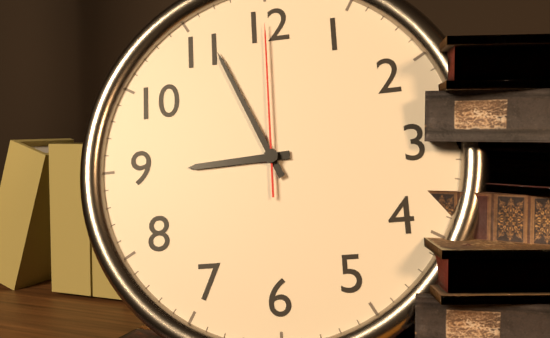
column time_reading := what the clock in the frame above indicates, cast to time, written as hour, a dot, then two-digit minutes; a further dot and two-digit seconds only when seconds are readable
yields 8.56.00
